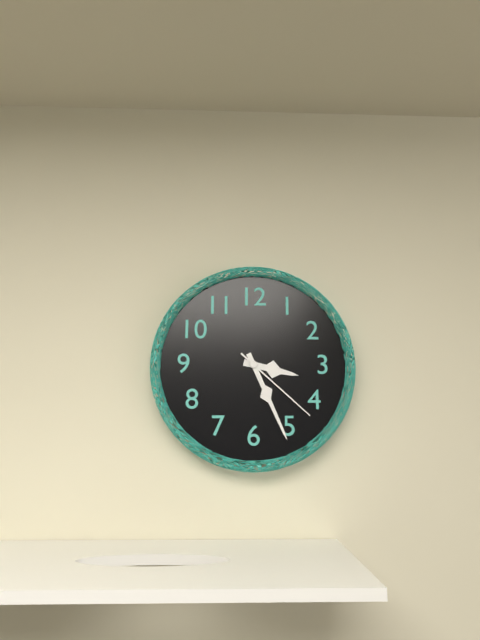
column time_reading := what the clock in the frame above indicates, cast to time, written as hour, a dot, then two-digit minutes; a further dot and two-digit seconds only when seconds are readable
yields 3.26.22
